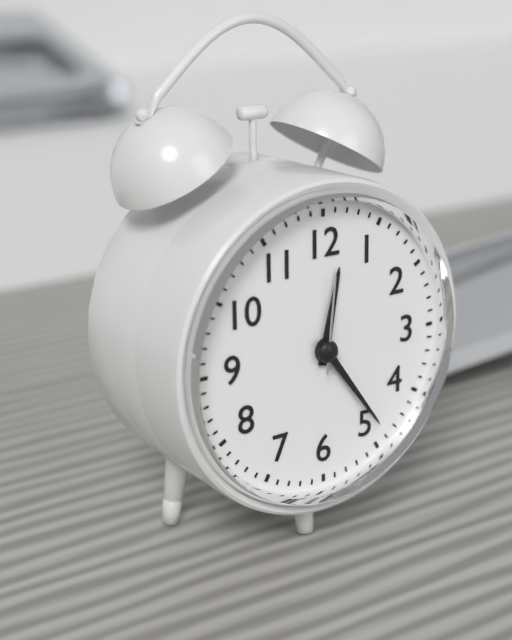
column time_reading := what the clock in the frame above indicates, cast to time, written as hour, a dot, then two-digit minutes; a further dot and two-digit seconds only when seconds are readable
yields 12.24.01
